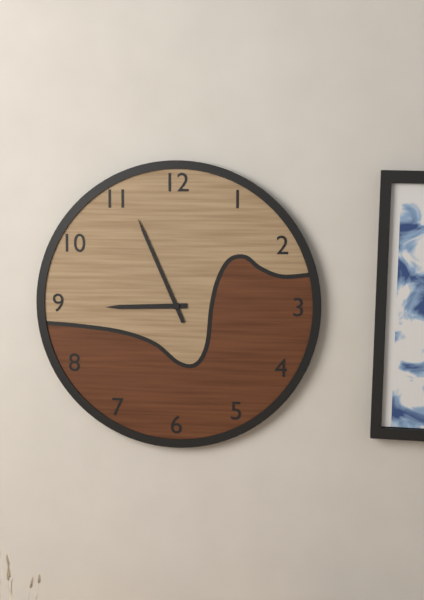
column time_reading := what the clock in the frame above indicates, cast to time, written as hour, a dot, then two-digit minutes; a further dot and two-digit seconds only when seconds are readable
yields 8.56
